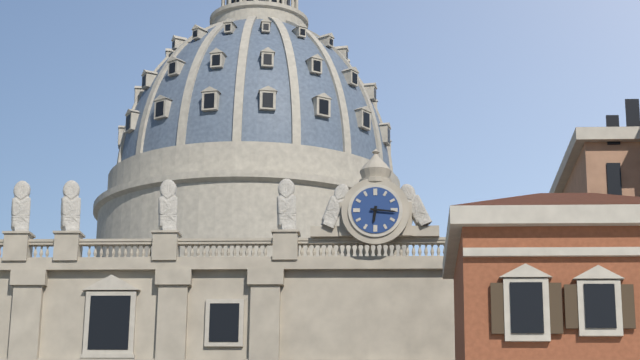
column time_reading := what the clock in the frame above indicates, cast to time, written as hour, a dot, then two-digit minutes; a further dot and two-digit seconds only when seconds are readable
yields 6.16
